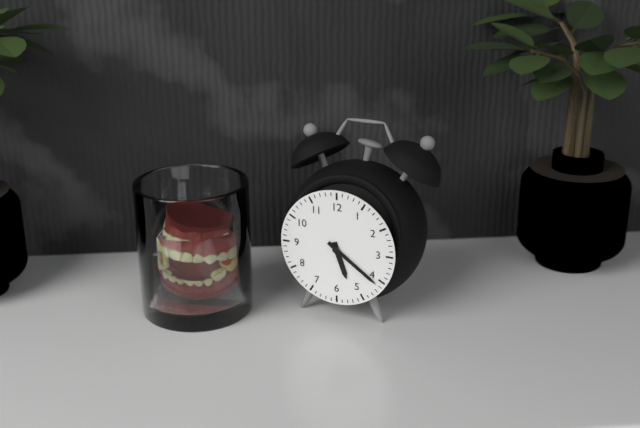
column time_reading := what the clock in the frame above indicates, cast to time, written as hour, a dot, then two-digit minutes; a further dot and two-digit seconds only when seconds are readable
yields 5.21
